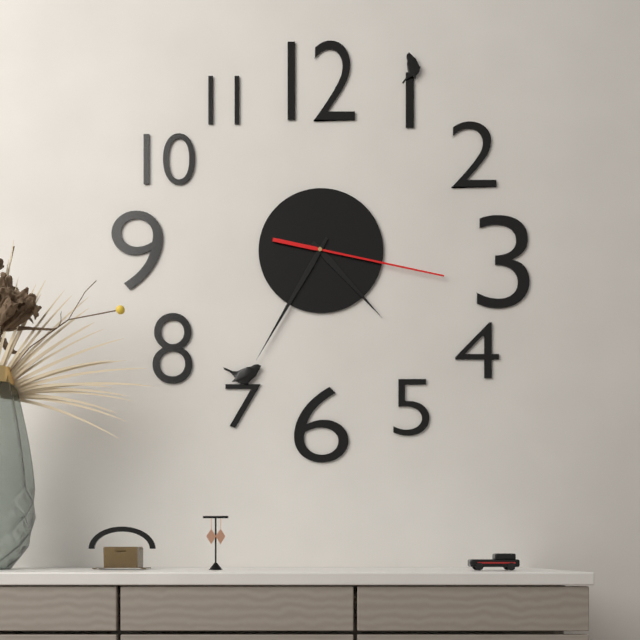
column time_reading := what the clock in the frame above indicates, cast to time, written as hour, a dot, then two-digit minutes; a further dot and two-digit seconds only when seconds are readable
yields 4.35.17
